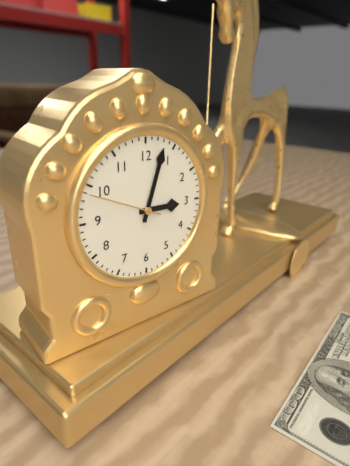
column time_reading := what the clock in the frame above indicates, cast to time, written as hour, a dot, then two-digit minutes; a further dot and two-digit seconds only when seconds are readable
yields 3.03.49
